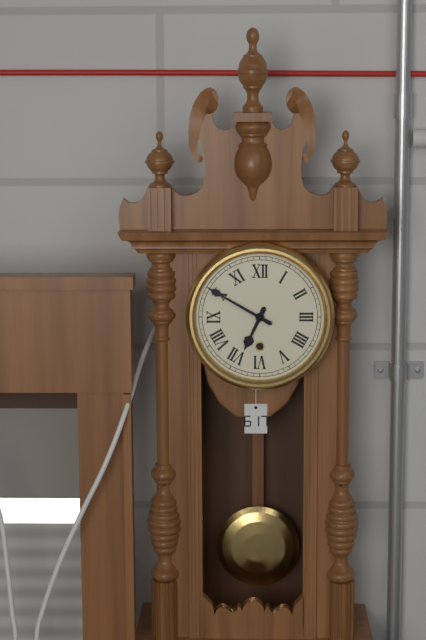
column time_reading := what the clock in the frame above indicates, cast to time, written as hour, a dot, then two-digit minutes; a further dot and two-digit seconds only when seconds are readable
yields 6.50
